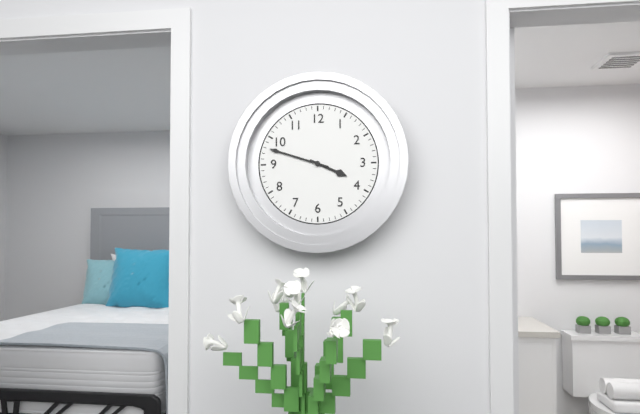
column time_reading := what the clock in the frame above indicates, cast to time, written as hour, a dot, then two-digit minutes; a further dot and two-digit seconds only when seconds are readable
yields 3.48
